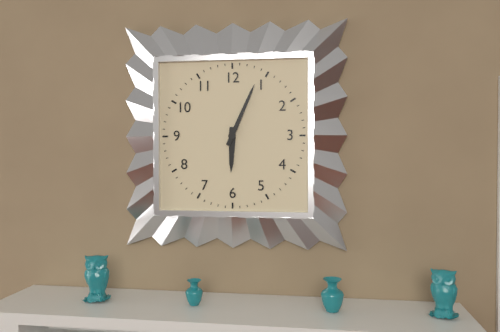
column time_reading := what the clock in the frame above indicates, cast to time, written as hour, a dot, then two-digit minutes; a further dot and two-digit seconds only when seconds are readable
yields 6.04
